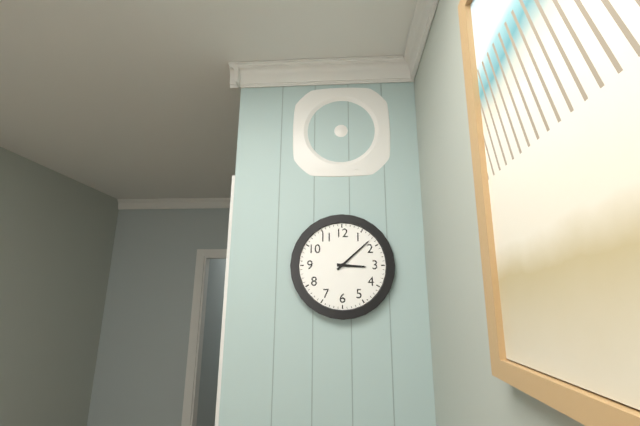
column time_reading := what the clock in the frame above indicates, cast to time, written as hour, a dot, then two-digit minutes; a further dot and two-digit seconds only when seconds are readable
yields 3.08
